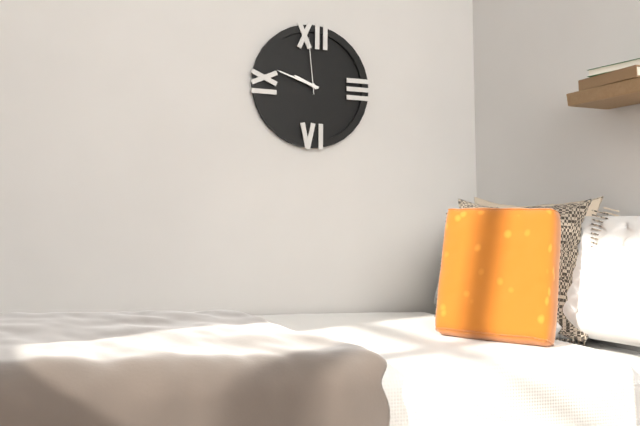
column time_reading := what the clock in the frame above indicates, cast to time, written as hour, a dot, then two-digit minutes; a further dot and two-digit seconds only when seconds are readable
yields 9.48.59
